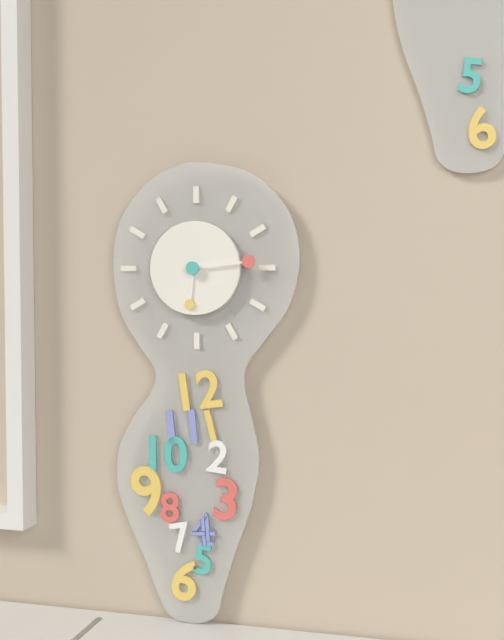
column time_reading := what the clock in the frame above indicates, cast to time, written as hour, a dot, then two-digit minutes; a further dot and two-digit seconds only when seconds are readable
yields 6.14
